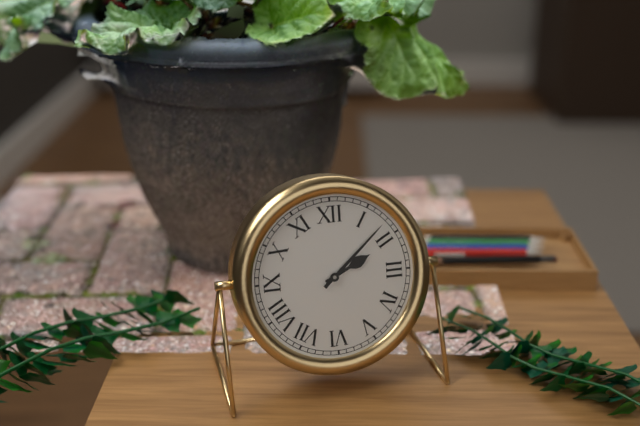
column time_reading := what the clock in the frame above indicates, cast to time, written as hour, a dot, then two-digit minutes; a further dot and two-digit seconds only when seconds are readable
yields 2.08
